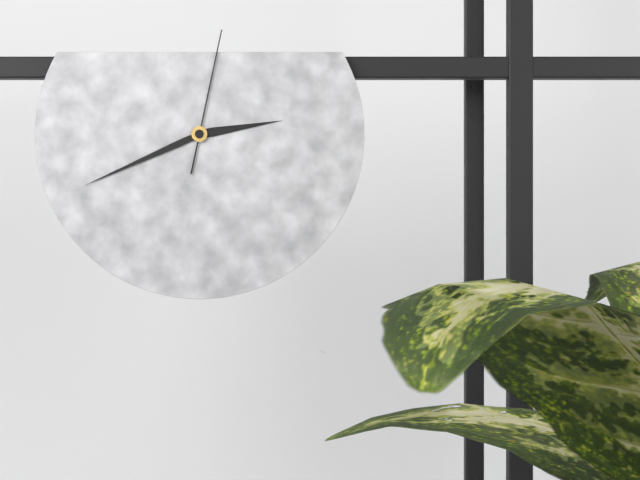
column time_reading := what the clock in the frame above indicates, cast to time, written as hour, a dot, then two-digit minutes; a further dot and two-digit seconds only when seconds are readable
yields 2.41.02
